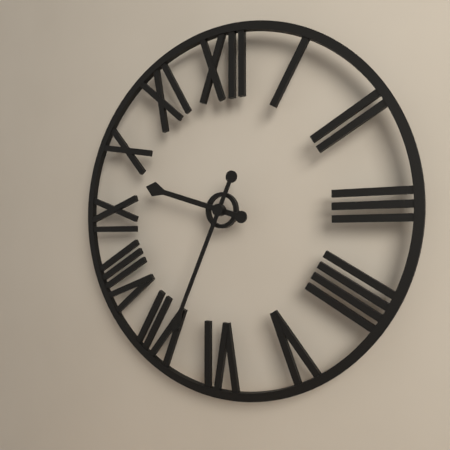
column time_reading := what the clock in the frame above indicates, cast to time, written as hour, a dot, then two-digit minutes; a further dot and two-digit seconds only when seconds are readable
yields 9.34
